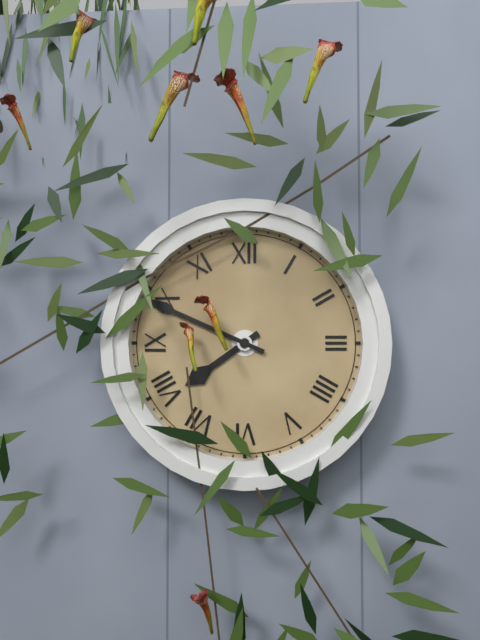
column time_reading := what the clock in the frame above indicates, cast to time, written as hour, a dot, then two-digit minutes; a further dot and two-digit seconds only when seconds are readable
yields 7.49
